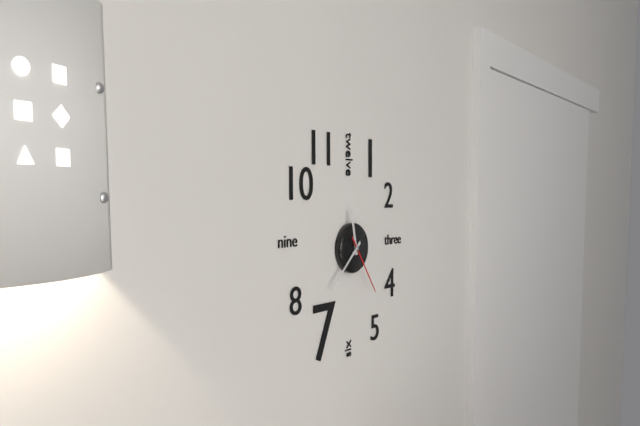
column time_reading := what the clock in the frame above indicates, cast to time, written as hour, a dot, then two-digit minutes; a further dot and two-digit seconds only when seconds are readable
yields 11.38.24
